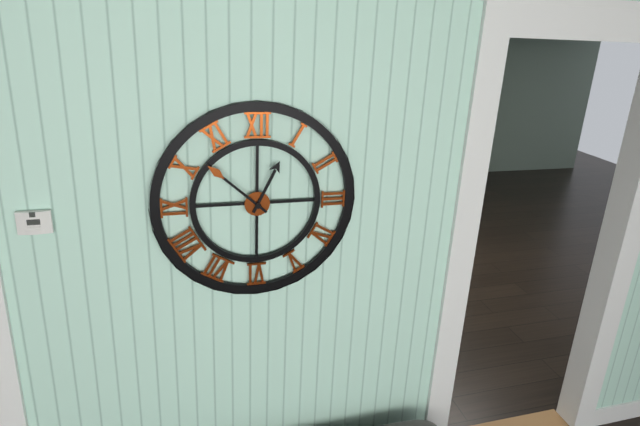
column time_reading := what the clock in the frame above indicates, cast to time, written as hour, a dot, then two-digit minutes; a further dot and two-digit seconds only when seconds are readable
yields 12.52
